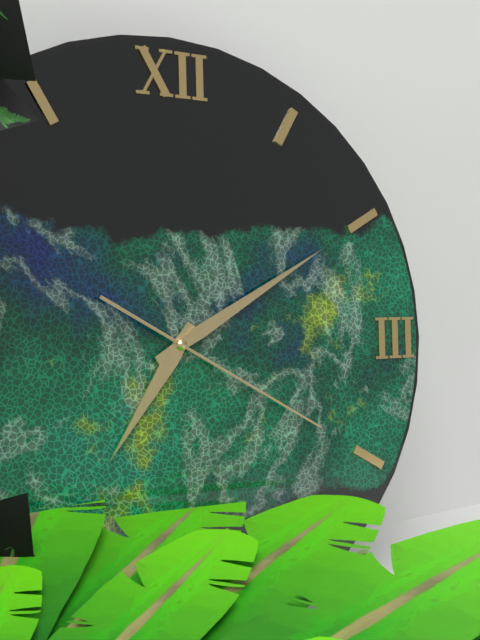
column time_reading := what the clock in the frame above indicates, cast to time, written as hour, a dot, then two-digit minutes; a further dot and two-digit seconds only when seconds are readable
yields 7.10.20
